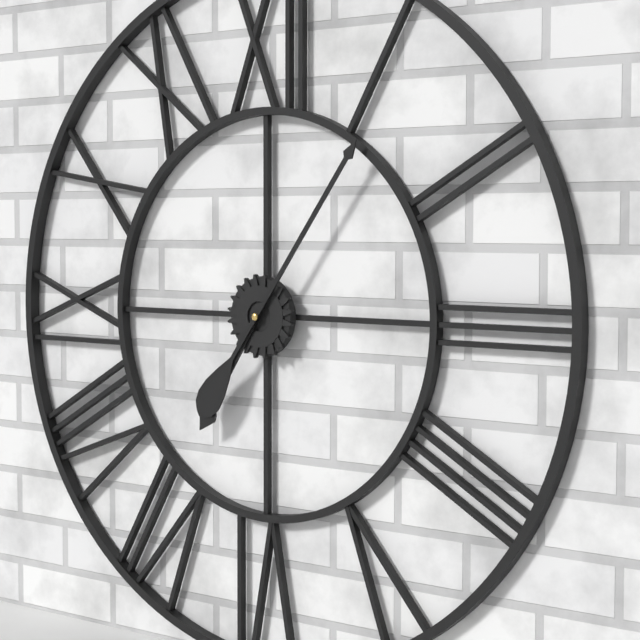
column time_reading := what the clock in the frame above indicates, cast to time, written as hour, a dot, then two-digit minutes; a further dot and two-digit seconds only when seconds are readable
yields 7.06
